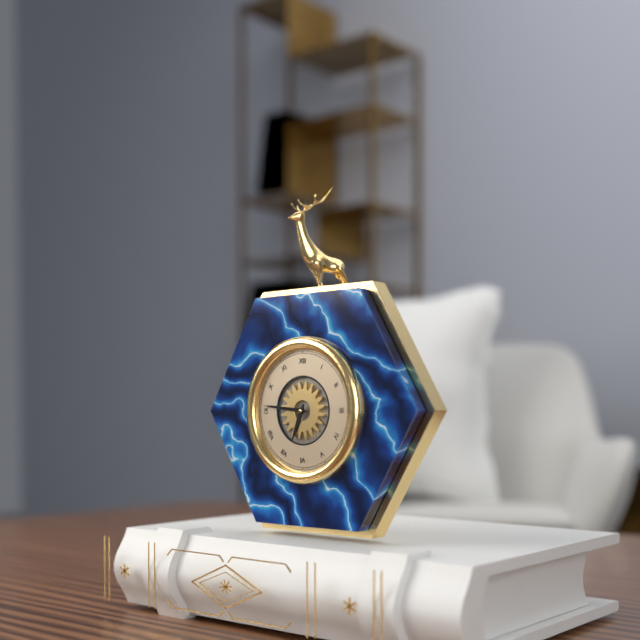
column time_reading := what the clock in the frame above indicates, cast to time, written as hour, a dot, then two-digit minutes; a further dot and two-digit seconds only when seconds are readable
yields 6.46
